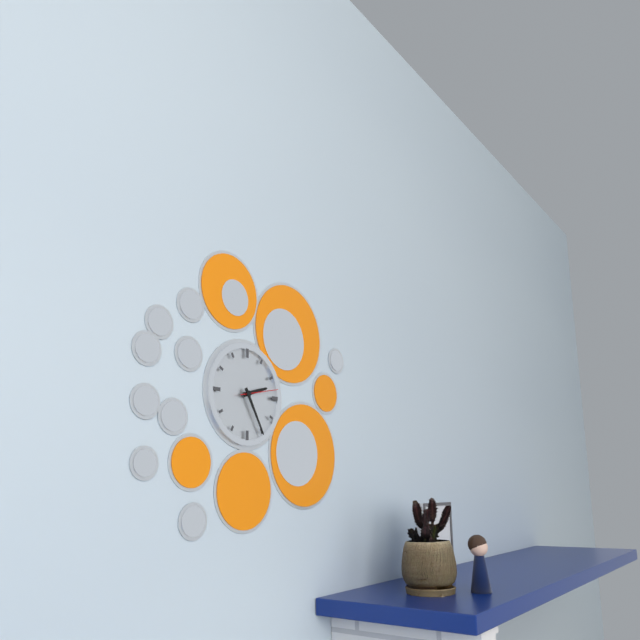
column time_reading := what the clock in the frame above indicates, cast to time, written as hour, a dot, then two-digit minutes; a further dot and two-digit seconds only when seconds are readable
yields 2.25
